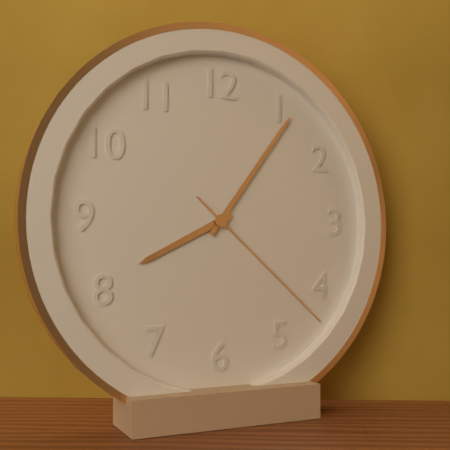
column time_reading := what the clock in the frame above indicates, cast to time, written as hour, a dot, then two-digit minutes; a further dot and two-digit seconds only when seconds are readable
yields 8.06.22
